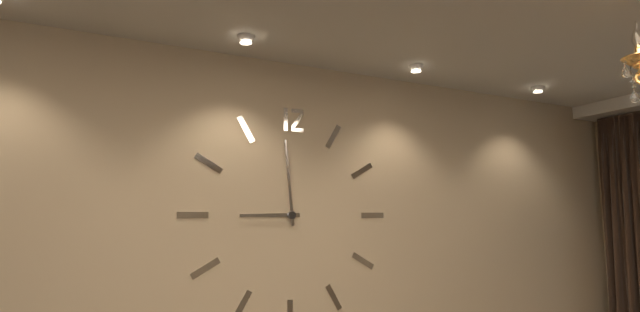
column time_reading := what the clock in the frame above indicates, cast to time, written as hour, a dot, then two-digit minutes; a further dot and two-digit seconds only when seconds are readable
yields 8.59
